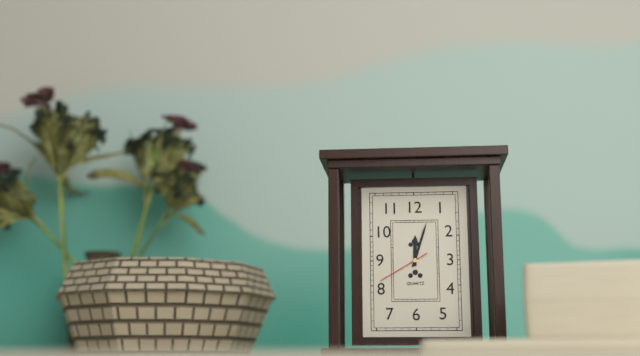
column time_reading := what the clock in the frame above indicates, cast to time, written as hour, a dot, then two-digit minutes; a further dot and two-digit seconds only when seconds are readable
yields 12.03.40
